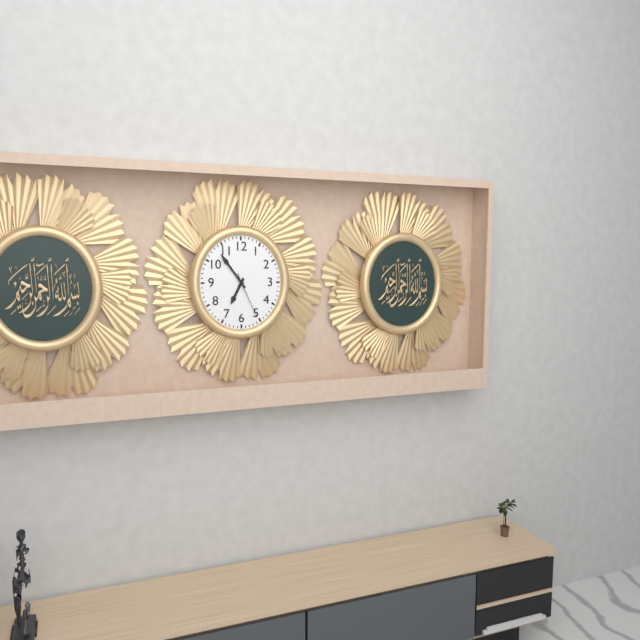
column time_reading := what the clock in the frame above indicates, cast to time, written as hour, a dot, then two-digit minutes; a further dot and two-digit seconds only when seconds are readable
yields 6.54
